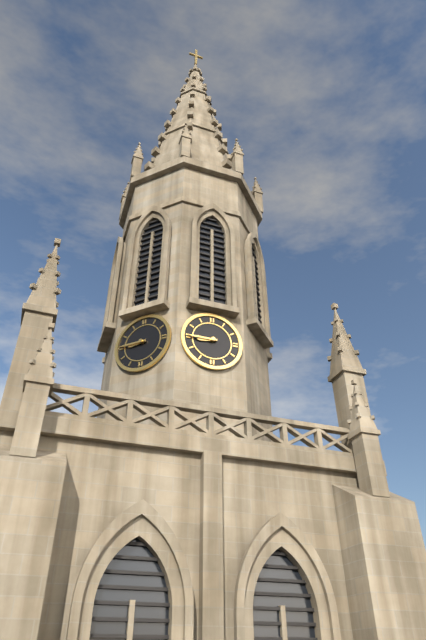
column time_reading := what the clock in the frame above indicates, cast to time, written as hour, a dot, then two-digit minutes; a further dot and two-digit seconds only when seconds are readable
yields 8.45
